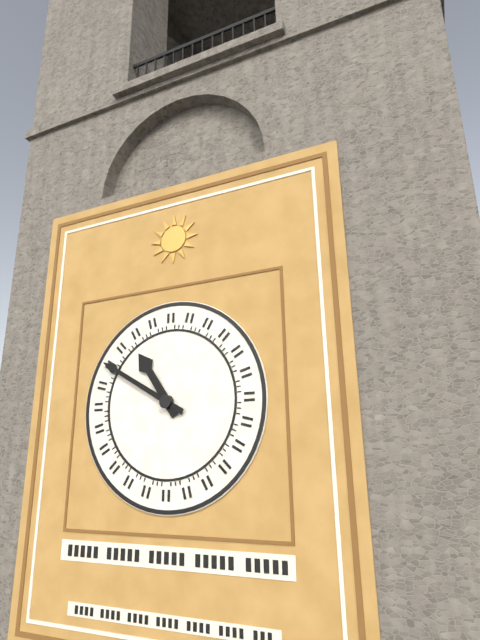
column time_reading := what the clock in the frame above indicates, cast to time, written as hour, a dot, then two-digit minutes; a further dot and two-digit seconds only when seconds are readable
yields 10.50
